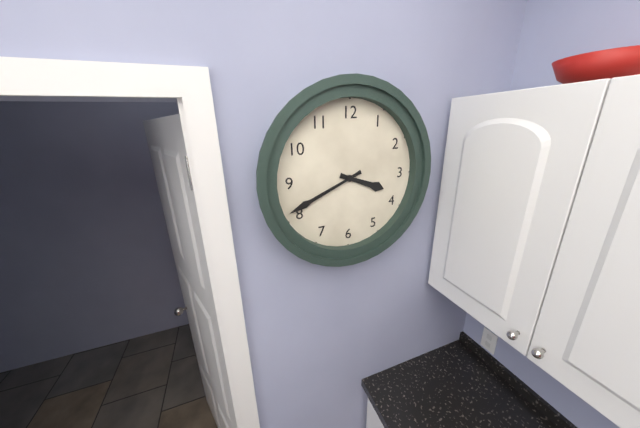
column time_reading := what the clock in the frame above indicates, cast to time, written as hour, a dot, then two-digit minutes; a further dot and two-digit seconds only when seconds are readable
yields 3.41
